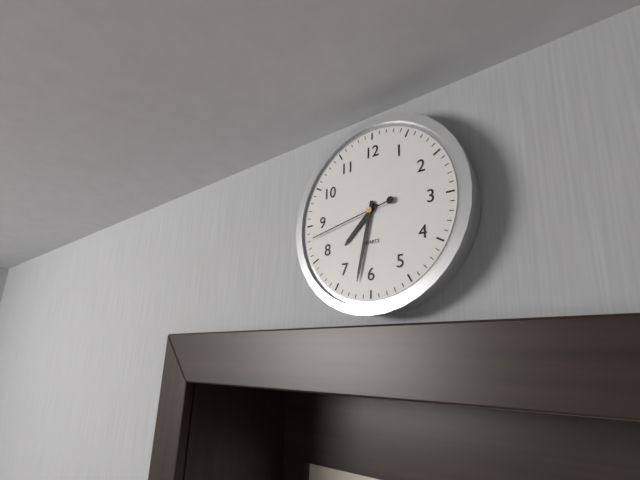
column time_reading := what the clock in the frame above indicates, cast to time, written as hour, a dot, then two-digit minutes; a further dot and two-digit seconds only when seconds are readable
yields 7.32.43
